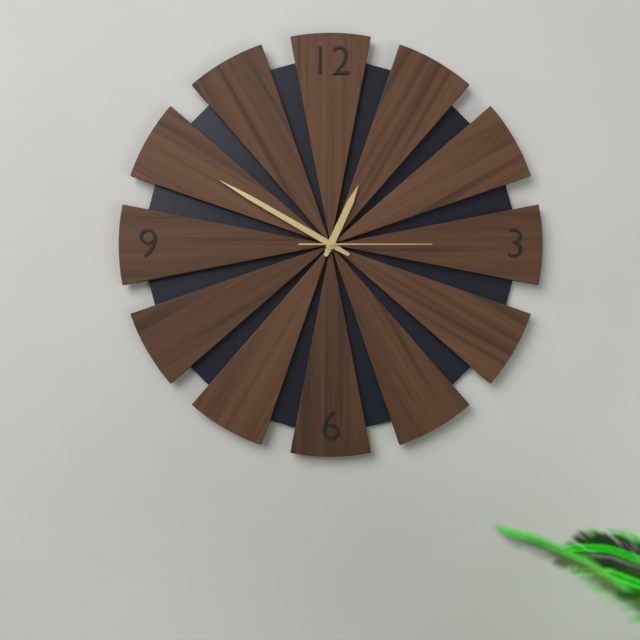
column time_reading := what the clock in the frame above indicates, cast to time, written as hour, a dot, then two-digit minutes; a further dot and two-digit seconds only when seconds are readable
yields 12.50.15
